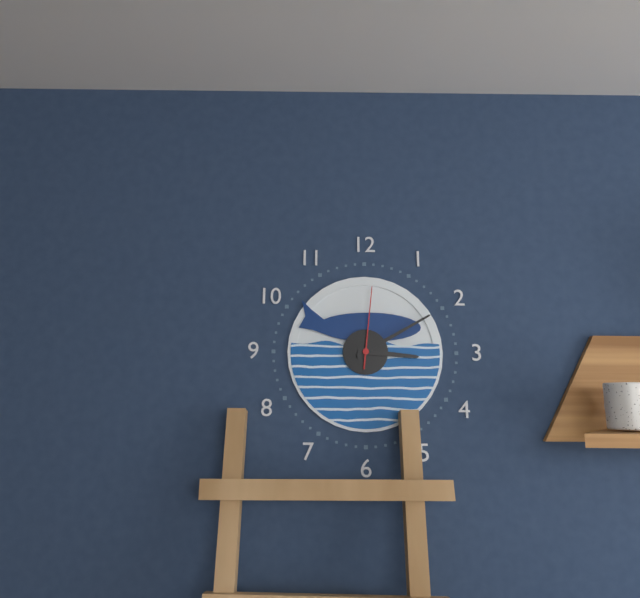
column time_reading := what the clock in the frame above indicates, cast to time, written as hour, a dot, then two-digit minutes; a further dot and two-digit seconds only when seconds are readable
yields 3.10.01
